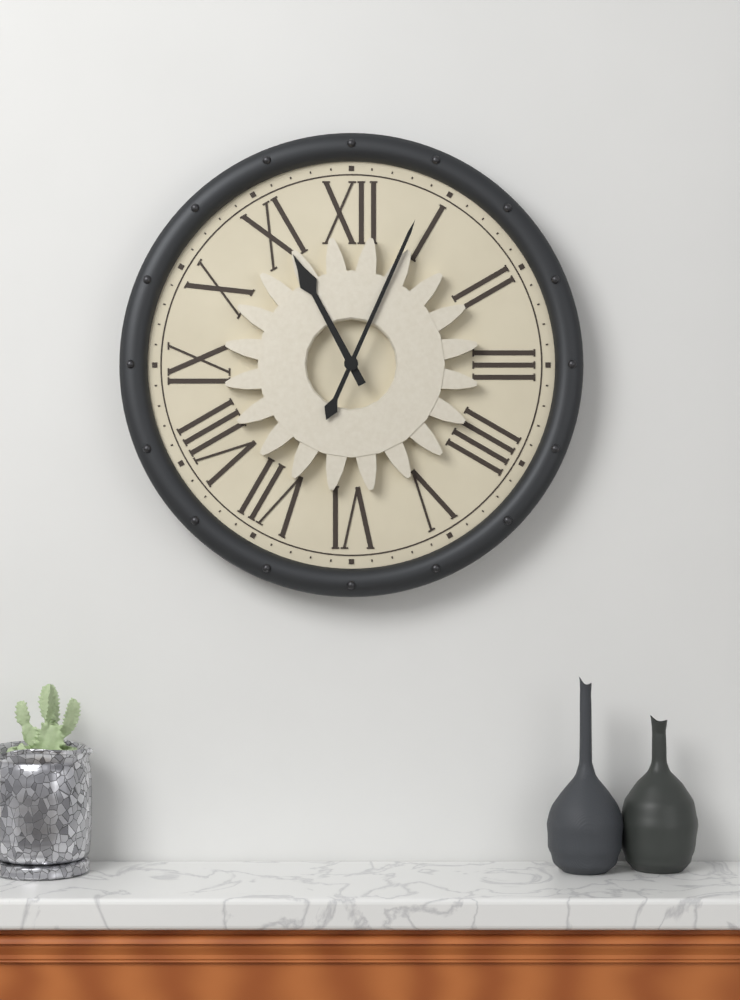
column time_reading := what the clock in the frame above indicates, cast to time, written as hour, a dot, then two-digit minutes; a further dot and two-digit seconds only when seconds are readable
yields 11.04
